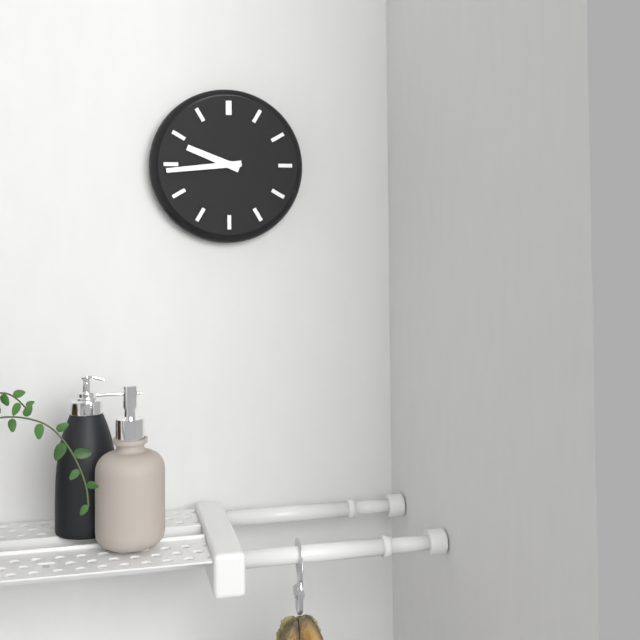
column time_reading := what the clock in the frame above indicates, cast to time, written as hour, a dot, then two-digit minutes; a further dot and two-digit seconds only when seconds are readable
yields 9.44
